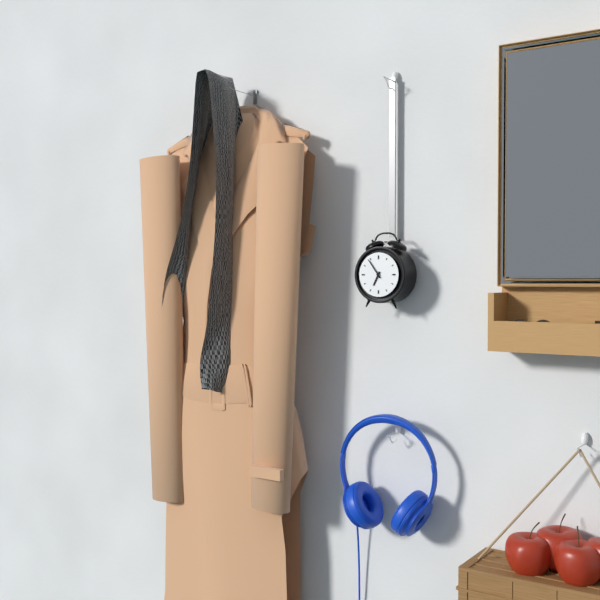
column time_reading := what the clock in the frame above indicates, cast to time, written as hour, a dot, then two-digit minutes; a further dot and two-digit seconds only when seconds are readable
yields 6.54
